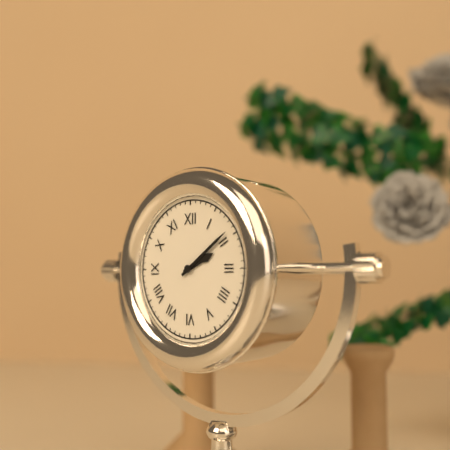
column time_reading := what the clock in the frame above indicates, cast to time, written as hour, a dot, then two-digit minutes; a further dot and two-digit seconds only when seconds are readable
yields 2.09
